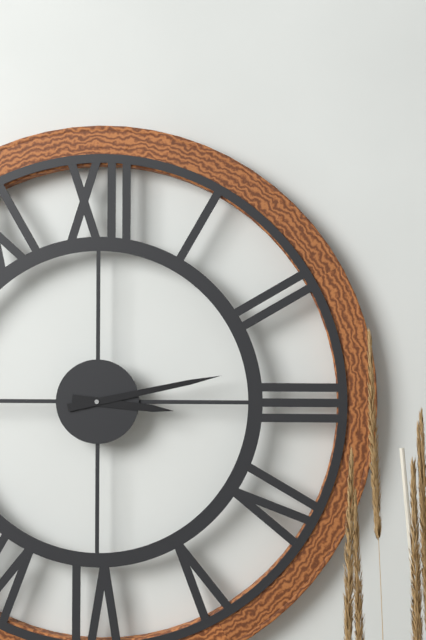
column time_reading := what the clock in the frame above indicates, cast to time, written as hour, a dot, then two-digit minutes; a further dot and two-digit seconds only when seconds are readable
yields 3.13
